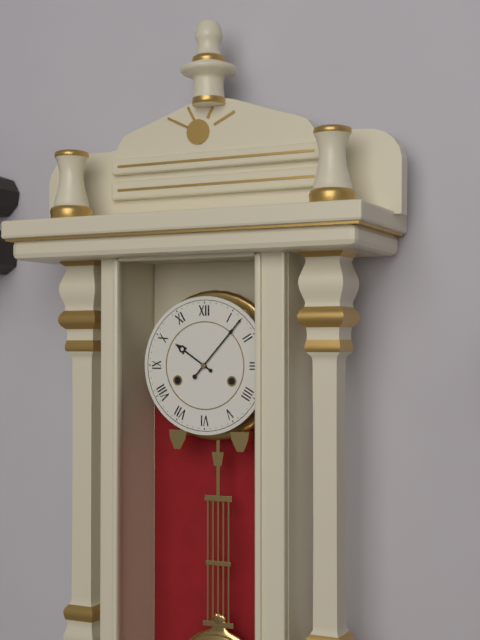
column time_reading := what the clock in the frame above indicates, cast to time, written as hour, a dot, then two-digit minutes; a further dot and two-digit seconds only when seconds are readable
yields 10.07
